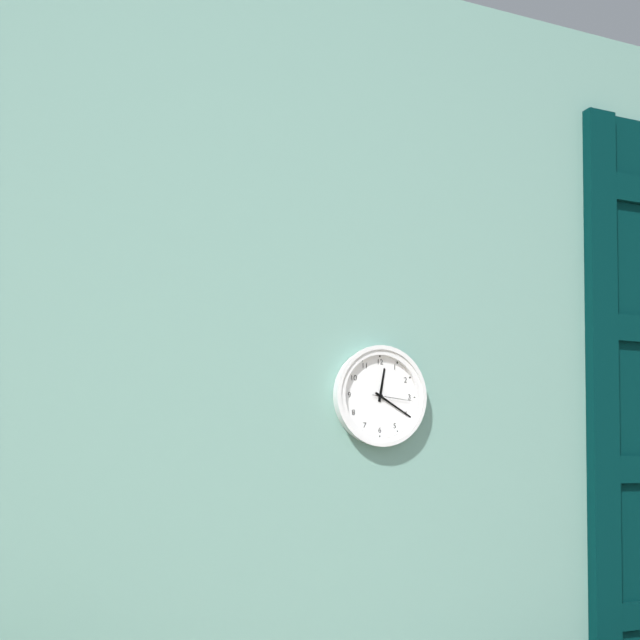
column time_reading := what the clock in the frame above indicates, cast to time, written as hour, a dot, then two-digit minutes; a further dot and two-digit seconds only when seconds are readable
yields 12.20
